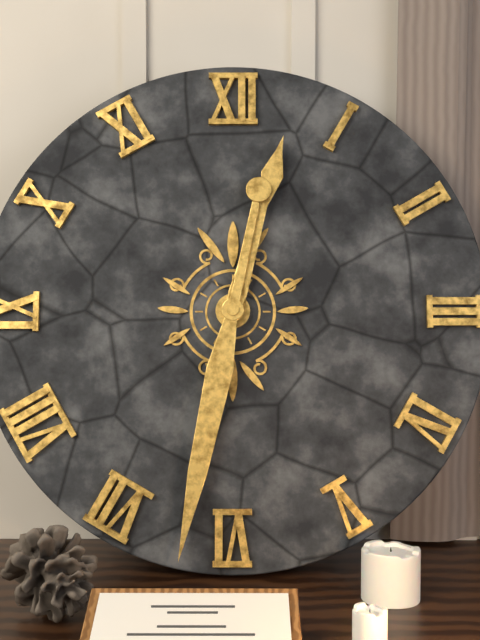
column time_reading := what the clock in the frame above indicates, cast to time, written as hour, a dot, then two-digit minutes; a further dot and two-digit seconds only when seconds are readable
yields 12.32
